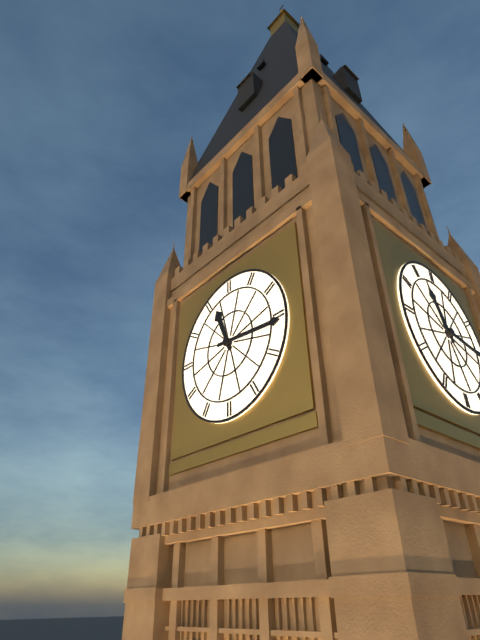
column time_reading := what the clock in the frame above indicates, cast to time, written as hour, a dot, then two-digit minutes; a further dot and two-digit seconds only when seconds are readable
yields 11.16
